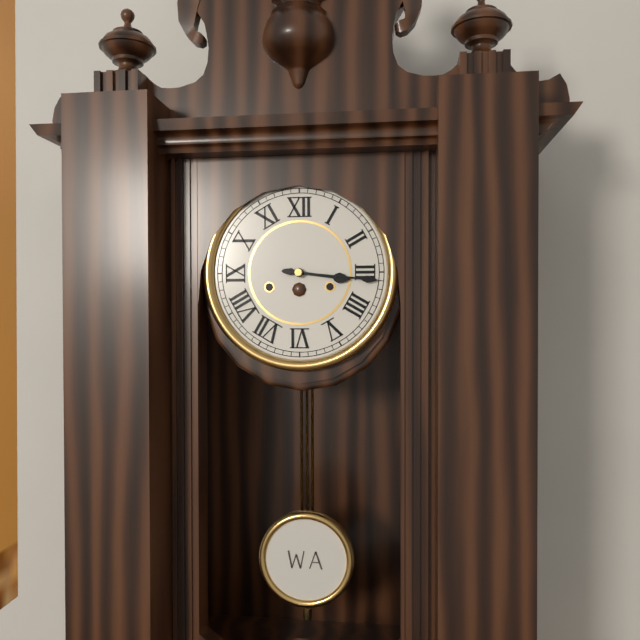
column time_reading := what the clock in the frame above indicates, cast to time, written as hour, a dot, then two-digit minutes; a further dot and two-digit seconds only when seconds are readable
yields 3.16
